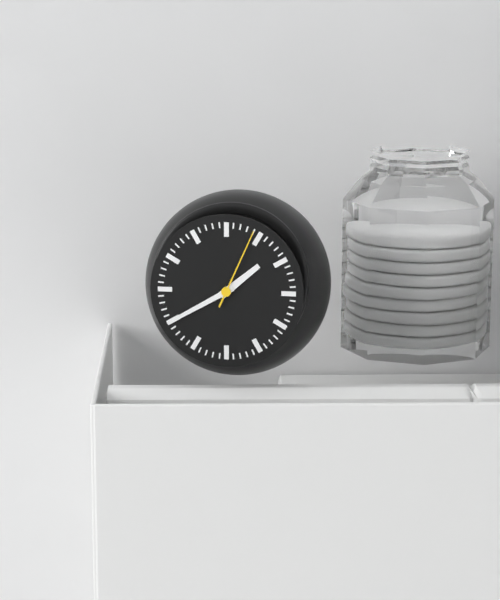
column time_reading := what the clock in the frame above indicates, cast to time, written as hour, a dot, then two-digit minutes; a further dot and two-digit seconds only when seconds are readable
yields 1.40.04
